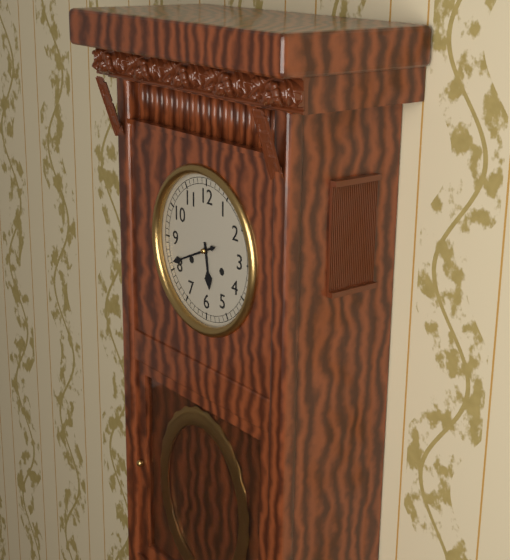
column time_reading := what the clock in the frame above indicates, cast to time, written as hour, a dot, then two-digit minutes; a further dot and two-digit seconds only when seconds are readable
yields 5.41
